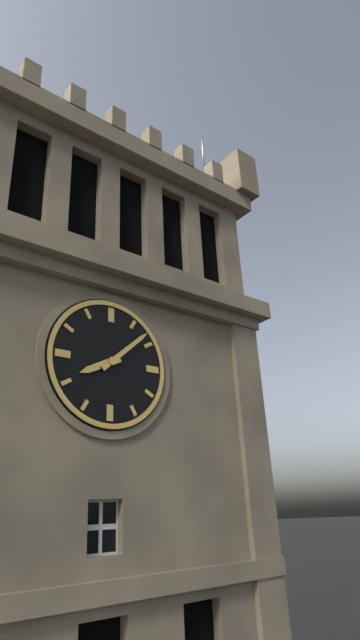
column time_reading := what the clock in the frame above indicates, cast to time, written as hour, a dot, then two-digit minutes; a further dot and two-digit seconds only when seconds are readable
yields 8.08
